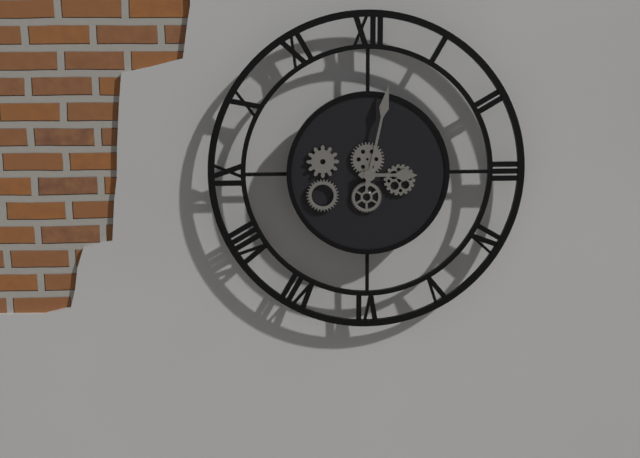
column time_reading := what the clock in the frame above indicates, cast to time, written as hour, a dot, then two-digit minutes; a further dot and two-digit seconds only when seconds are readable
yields 3.02
